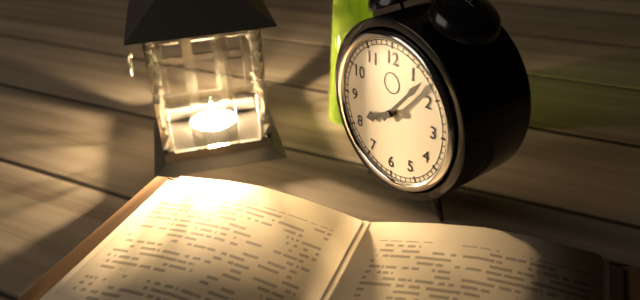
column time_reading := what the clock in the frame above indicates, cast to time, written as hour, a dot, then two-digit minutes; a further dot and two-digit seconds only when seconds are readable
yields 8.07
